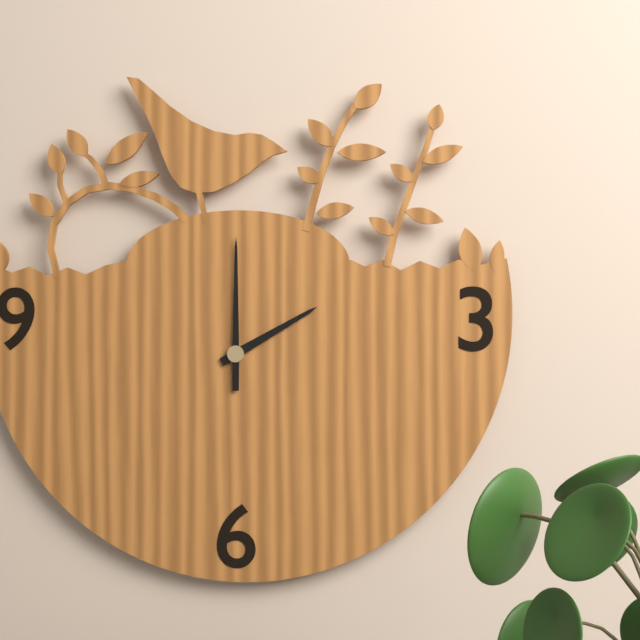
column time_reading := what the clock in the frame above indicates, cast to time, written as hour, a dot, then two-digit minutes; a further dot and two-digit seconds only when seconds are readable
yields 2.00
